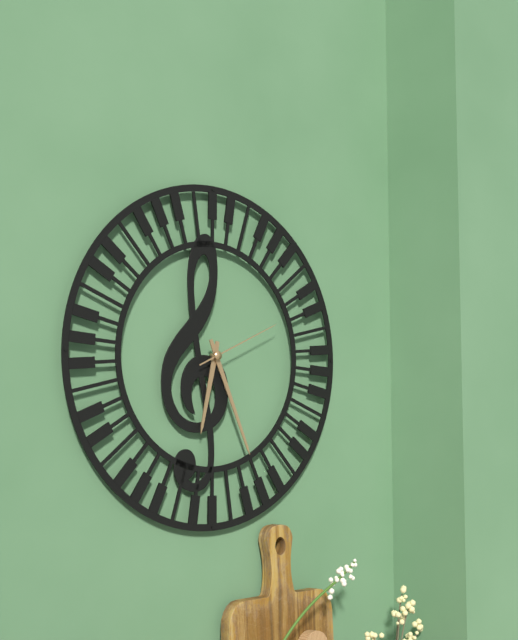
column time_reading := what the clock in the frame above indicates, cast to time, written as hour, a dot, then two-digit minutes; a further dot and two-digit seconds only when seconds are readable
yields 6.26.11
